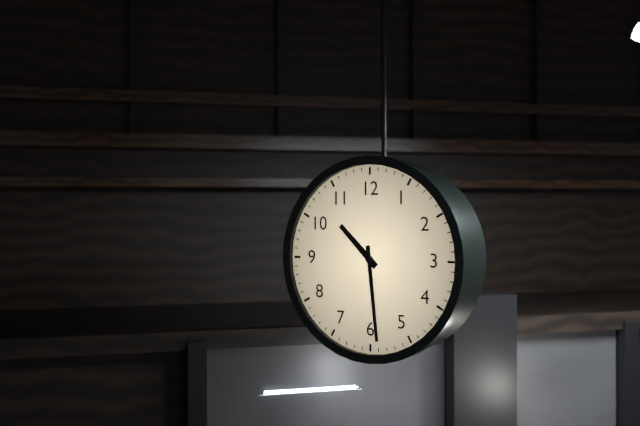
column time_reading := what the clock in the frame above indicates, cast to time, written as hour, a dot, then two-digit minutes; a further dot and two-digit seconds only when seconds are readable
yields 10.29
